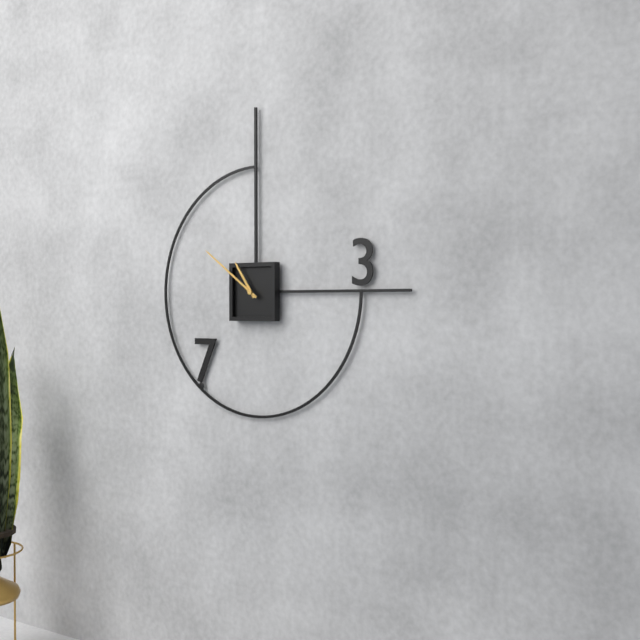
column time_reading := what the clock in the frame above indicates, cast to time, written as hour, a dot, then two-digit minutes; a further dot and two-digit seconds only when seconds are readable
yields 10.51
